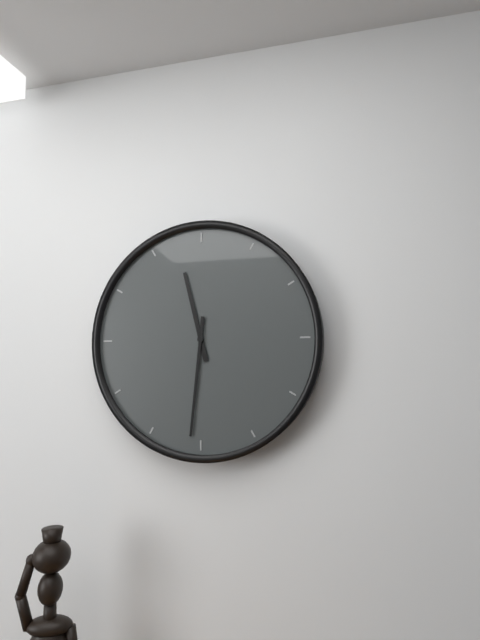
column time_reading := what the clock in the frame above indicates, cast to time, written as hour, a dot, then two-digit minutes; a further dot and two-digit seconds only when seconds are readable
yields 11.31
